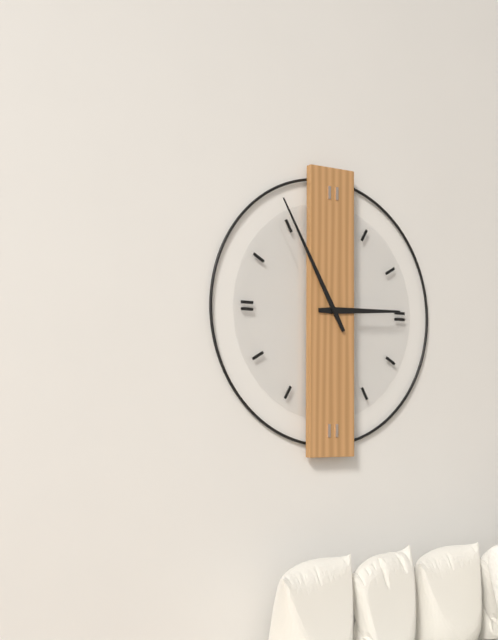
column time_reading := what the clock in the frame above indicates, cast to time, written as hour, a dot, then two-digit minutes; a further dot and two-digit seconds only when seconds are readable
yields 2.55
